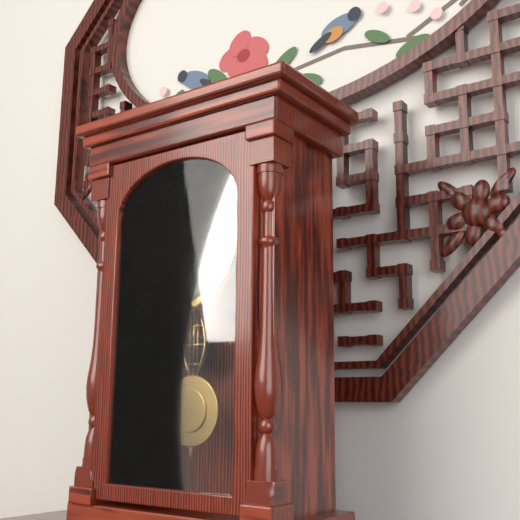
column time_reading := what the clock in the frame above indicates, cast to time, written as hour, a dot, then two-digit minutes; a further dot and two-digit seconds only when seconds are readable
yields 4.53
